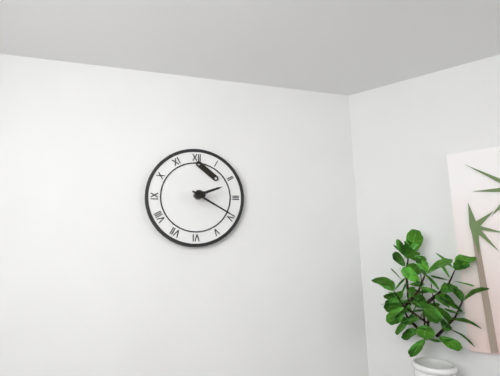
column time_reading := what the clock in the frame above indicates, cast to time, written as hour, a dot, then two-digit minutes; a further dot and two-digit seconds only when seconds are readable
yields 2.20
